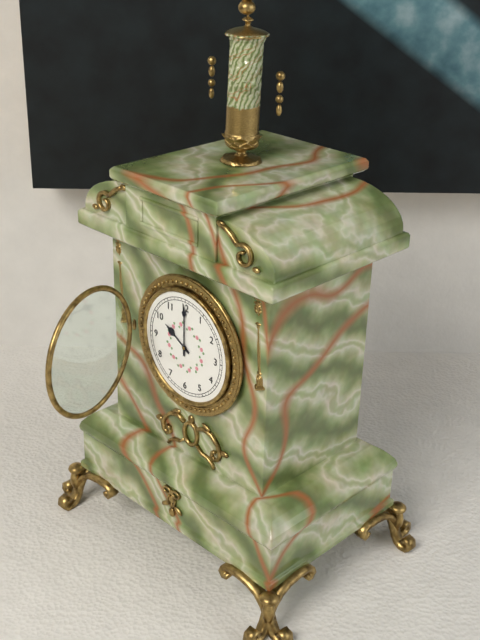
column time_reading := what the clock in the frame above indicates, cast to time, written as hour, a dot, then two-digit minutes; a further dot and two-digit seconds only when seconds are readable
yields 10.00
